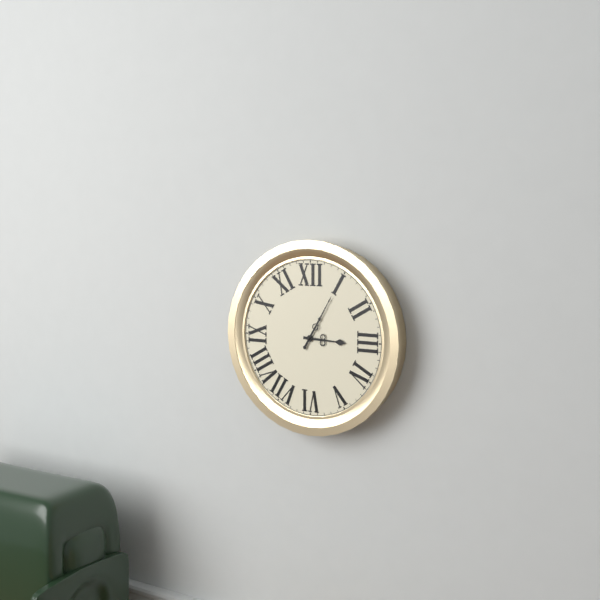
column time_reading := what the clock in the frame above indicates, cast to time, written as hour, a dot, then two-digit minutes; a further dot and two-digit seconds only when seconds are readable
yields 3.05
